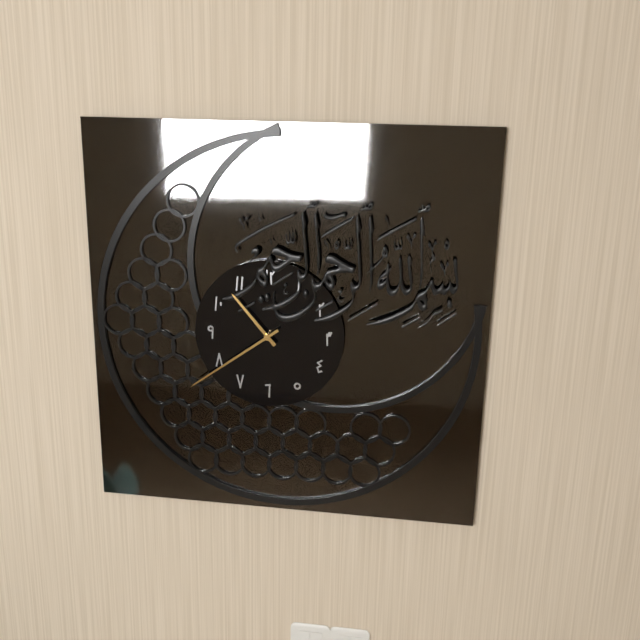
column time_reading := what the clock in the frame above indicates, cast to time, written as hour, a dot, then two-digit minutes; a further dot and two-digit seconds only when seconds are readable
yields 10.39
